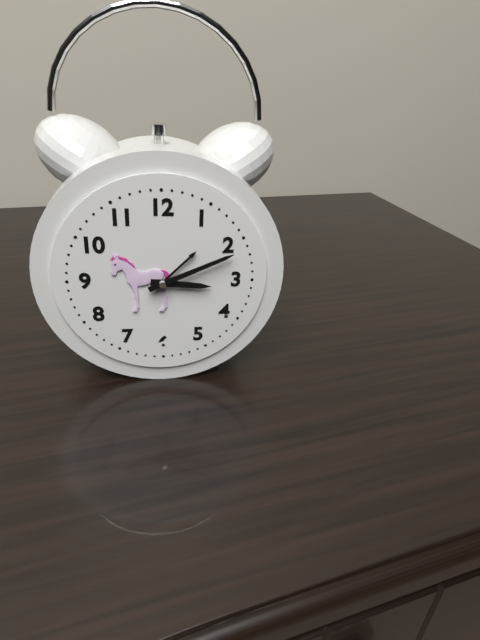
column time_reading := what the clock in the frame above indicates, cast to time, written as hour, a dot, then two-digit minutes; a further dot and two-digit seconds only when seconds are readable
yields 3.11
